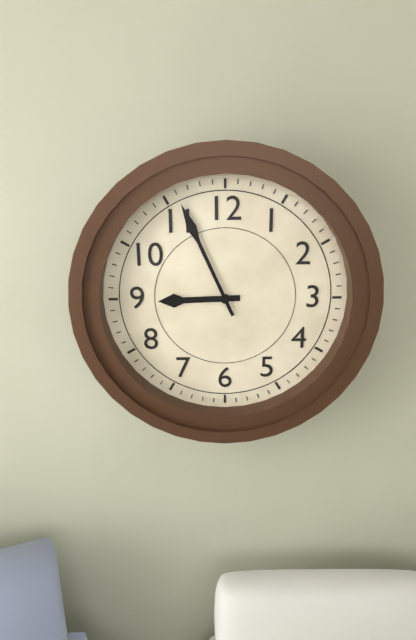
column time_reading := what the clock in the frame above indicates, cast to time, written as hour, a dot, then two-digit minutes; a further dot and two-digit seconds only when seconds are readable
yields 8.56
